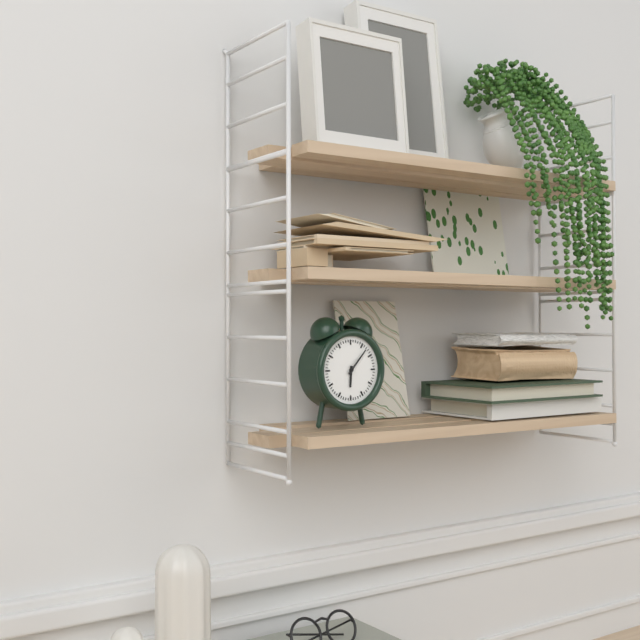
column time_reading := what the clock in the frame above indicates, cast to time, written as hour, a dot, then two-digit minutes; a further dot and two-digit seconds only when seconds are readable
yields 6.07
